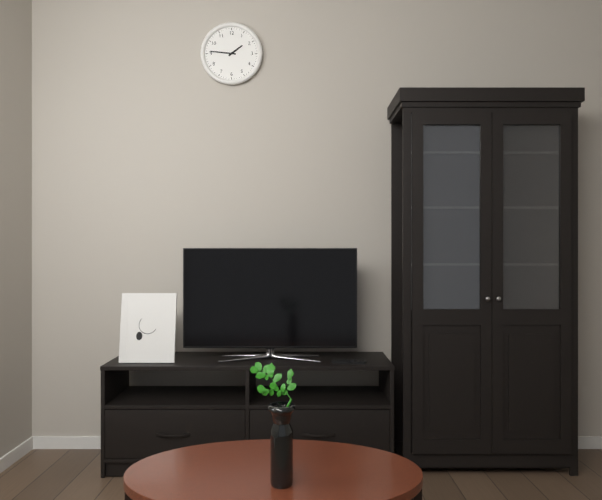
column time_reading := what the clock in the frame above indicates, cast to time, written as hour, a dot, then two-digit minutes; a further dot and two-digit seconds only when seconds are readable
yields 1.46
